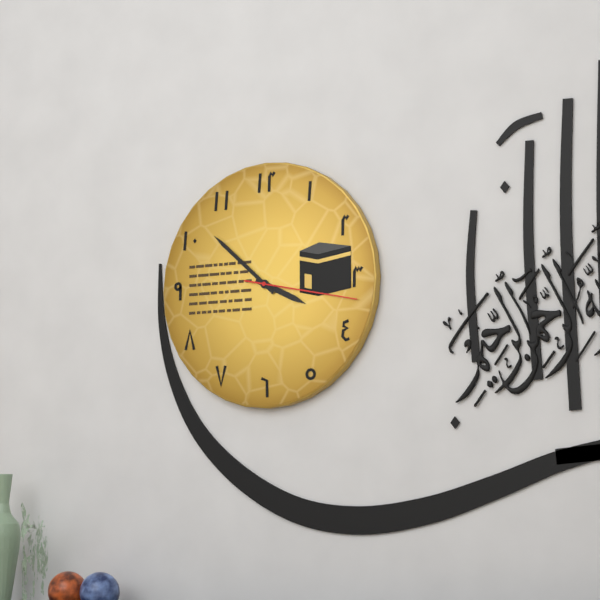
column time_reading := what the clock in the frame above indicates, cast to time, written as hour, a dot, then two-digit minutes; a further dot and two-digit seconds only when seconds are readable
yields 3.52.17
